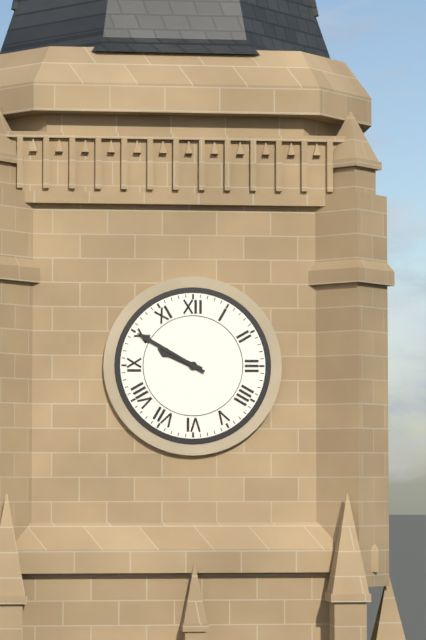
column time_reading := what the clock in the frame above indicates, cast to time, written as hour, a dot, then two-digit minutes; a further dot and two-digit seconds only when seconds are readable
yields 9.50
